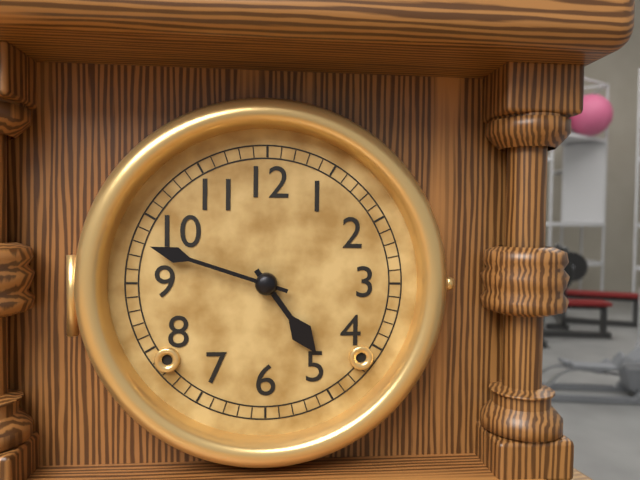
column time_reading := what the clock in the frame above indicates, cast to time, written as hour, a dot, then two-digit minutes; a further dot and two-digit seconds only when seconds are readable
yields 4.48
